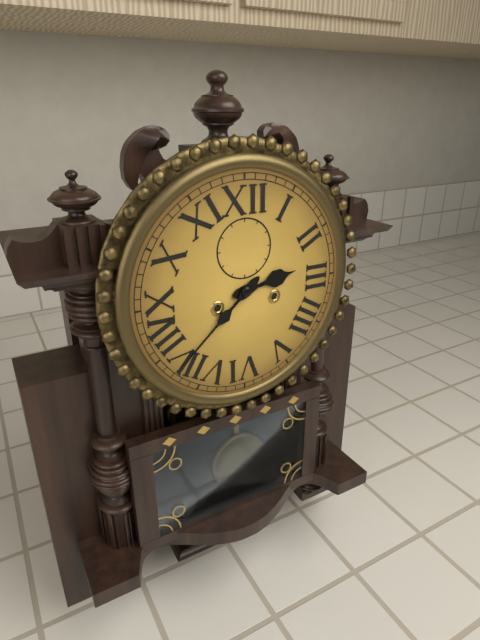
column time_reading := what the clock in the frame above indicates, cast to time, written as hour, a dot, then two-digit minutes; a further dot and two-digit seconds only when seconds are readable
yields 2.38
